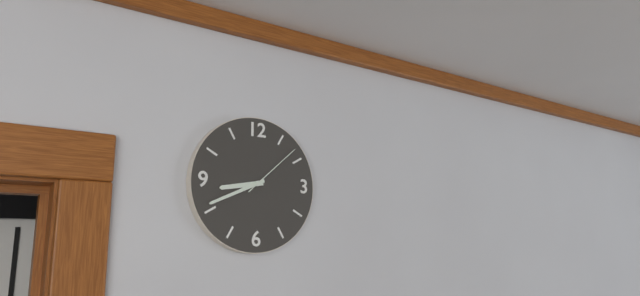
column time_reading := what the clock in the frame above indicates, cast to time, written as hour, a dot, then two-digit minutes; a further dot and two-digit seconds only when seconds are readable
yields 8.41.08
